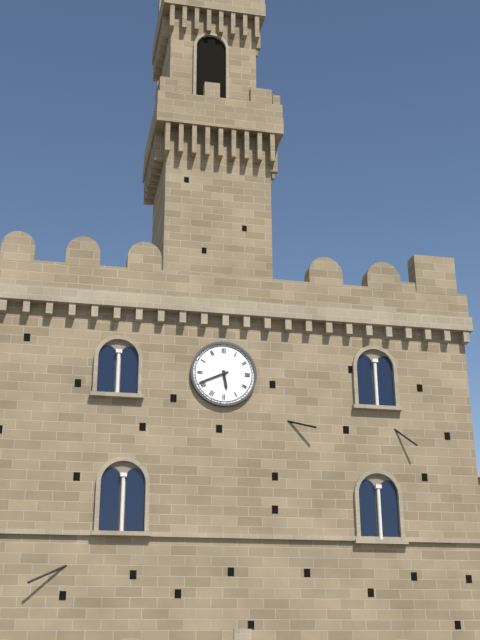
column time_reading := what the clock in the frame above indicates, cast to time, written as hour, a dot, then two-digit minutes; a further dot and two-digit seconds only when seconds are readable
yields 5.41
